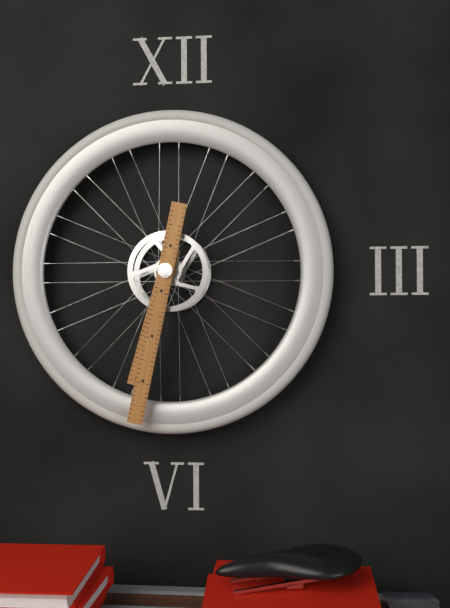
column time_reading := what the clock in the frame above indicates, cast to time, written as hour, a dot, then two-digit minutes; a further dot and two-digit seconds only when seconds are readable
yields 6.32
